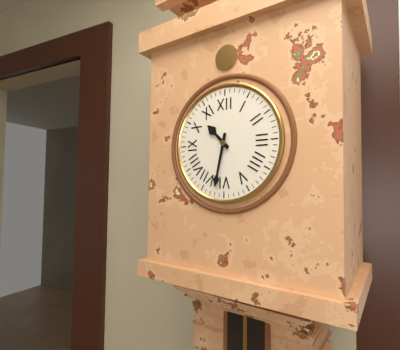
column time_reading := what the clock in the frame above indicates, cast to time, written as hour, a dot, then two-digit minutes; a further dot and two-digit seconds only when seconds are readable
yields 10.32
